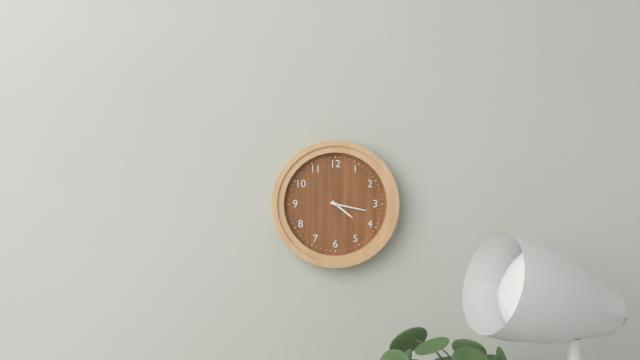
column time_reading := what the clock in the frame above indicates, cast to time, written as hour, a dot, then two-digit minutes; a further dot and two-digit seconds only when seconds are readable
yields 4.17
